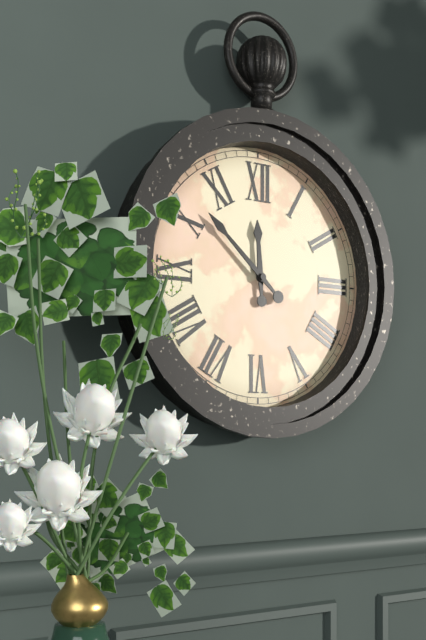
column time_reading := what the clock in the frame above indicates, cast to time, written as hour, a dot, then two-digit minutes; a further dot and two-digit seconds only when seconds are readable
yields 11.52
